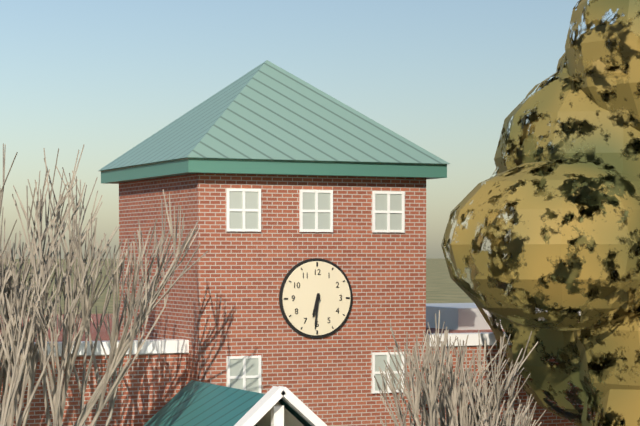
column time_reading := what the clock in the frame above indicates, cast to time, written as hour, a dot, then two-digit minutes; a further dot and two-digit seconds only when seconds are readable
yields 6.31
